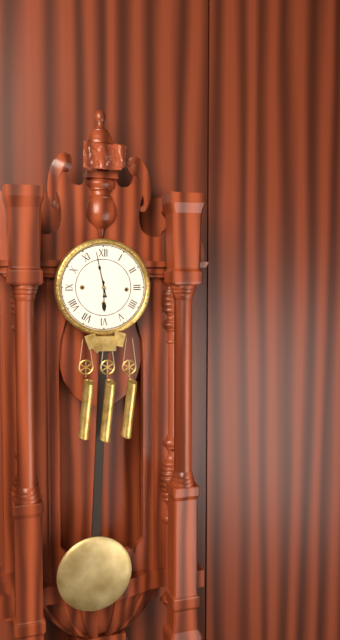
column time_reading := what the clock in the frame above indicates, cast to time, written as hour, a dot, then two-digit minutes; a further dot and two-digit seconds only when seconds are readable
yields 5.58
